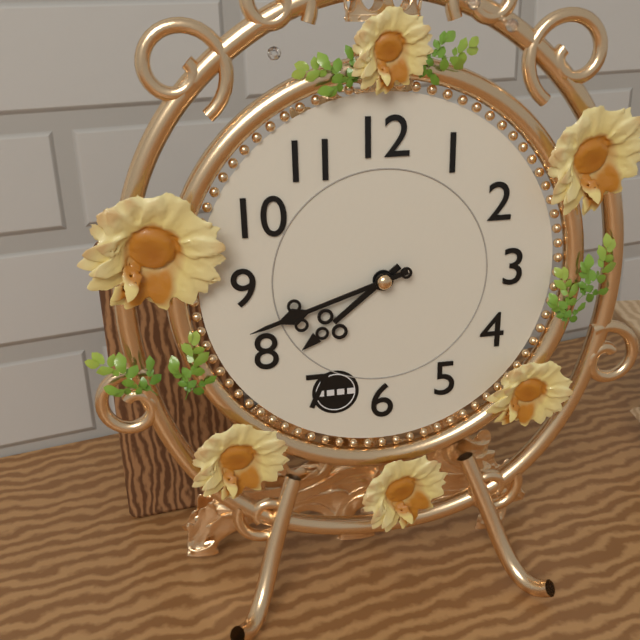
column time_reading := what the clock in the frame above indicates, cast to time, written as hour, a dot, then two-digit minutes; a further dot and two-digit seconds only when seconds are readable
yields 7.42
